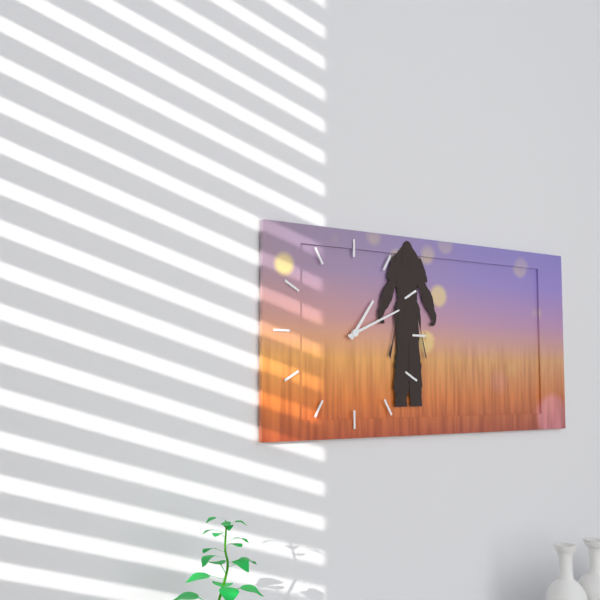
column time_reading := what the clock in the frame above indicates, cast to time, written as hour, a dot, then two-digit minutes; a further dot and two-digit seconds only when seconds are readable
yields 1.11
